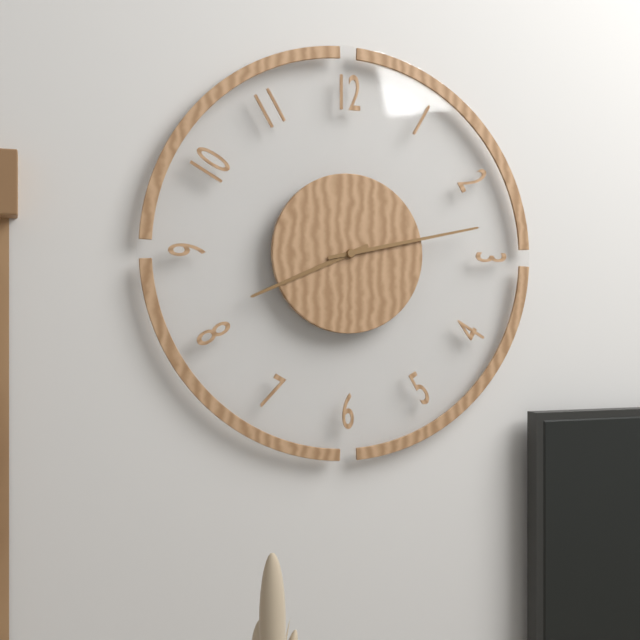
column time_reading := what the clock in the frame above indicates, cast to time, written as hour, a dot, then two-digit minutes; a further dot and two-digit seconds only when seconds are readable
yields 8.13
